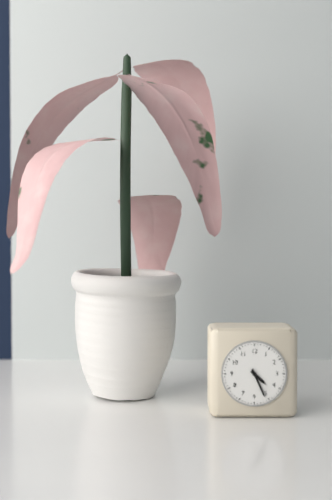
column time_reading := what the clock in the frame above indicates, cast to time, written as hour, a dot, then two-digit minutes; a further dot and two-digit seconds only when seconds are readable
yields 4.26
